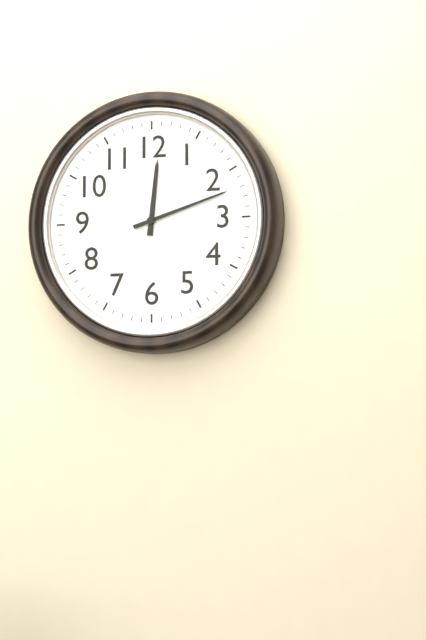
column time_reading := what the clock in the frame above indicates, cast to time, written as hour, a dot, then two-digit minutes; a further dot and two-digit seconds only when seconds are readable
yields 12.12
